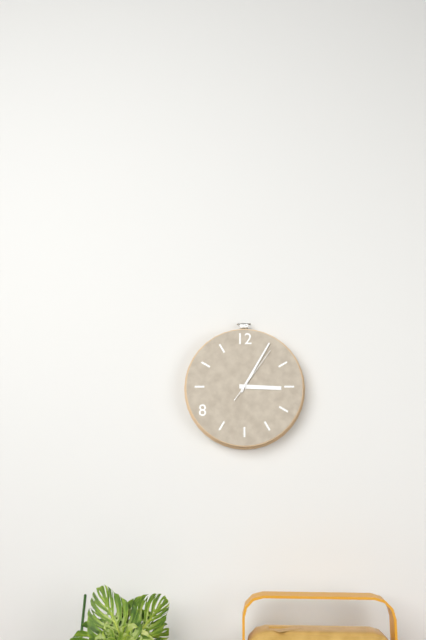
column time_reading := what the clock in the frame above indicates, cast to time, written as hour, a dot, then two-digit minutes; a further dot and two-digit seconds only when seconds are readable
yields 3.05.06
